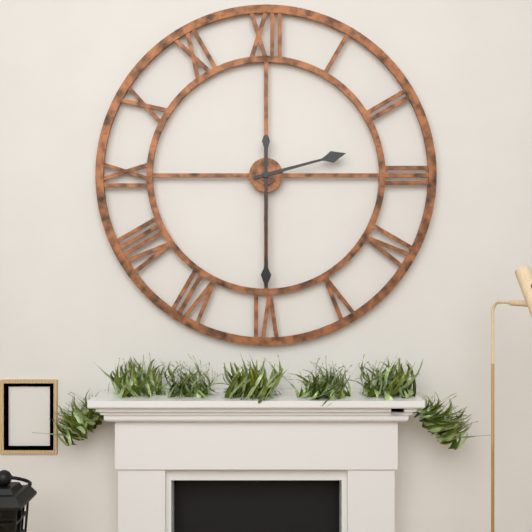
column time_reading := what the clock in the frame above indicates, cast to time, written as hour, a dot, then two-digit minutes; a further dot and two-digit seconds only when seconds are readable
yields 2.30
